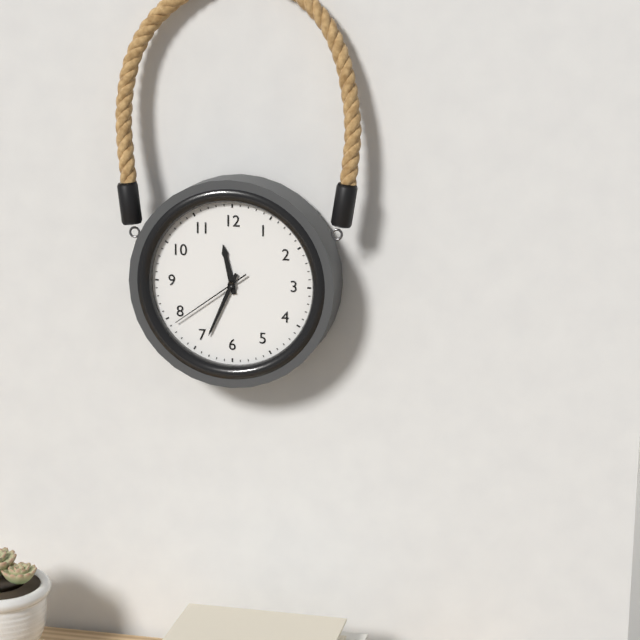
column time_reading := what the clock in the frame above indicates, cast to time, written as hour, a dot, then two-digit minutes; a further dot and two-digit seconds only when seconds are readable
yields 11.34.39
